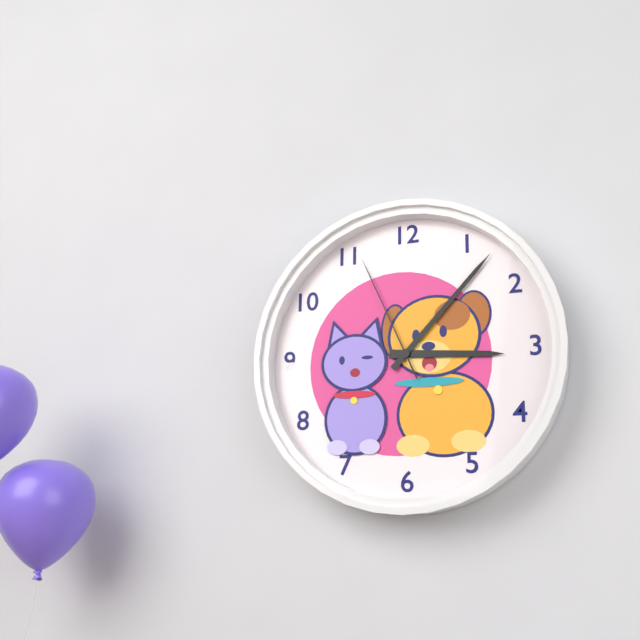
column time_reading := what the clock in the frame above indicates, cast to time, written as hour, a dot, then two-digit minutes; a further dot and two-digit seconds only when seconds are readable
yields 3.07.56
